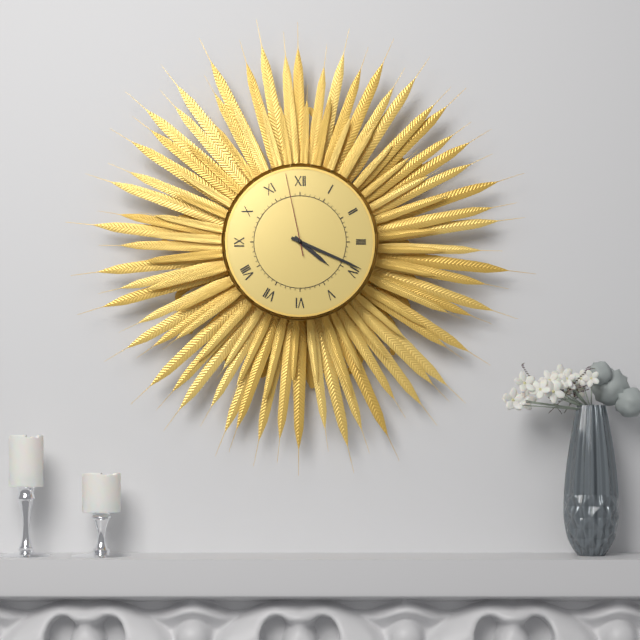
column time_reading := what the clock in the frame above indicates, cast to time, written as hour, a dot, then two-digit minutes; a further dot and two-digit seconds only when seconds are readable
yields 4.19.58
